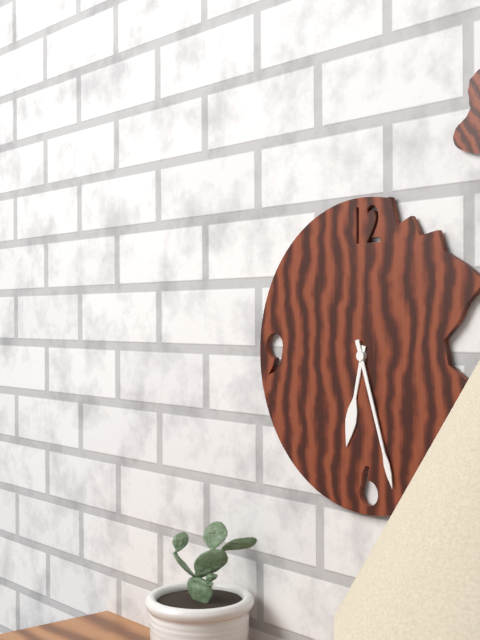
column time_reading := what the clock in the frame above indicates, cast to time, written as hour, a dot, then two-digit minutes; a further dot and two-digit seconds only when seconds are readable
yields 6.27
